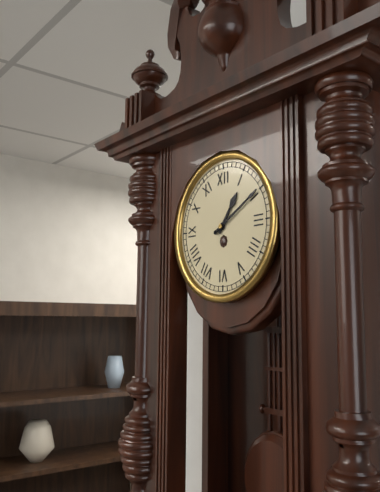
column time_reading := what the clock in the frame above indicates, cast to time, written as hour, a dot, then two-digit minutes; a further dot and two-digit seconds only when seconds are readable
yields 1.10
